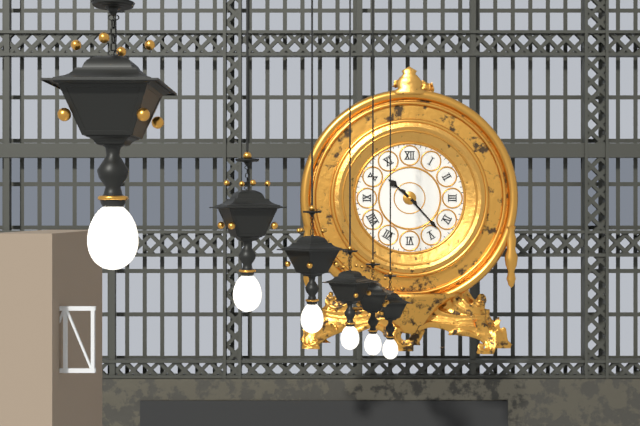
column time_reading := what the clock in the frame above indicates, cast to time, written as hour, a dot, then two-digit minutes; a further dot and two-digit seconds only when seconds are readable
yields 10.23
